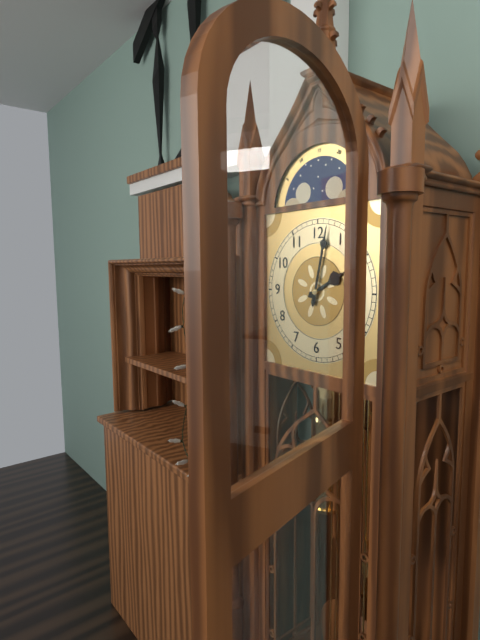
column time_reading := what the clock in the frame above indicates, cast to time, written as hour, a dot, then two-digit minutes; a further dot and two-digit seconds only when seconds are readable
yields 2.02
